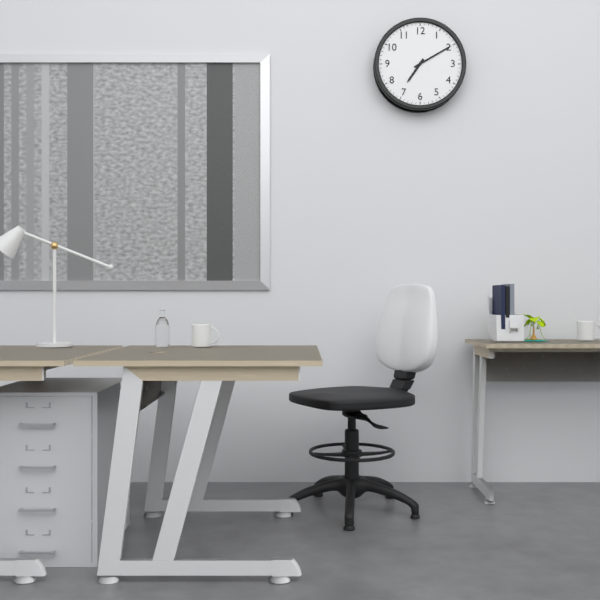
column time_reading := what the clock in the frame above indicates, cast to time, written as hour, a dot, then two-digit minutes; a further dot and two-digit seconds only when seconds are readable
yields 7.10
